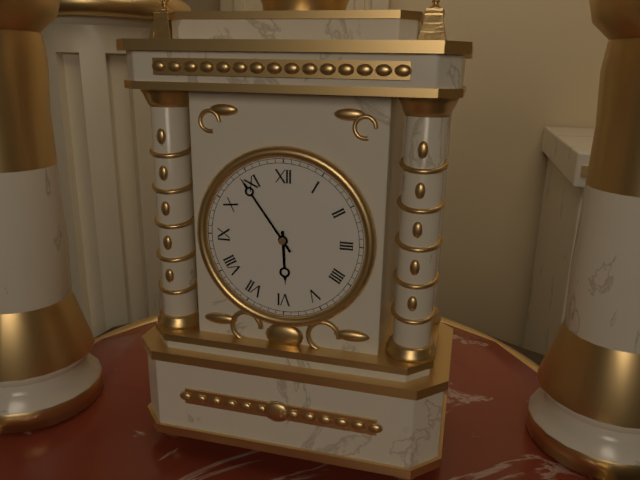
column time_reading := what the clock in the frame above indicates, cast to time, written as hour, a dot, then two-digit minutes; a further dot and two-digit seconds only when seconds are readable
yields 5.54
